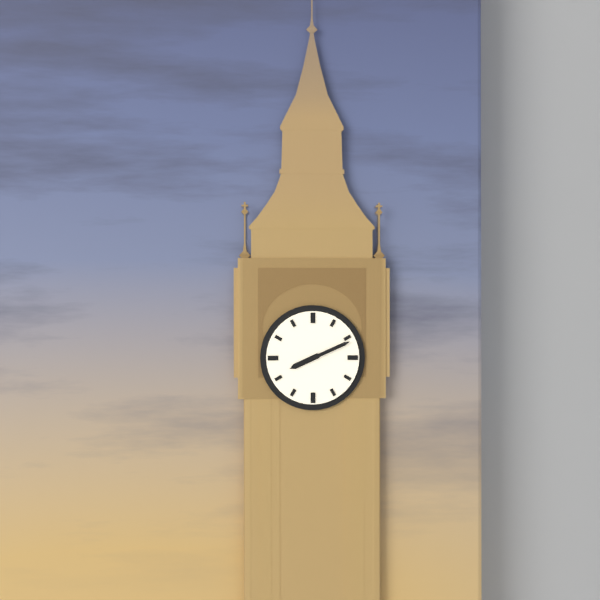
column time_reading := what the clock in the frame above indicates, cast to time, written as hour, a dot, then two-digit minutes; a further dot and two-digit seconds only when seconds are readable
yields 8.11
